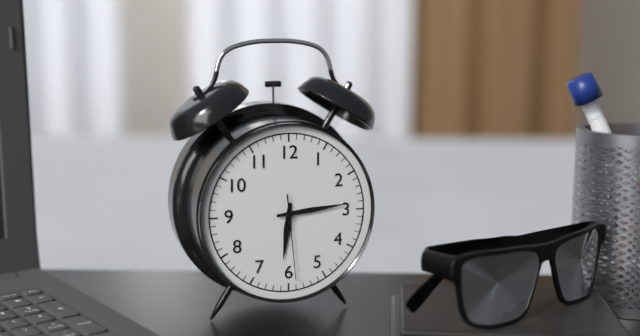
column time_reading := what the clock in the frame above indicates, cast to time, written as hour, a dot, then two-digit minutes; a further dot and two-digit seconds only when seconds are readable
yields 6.14.29
